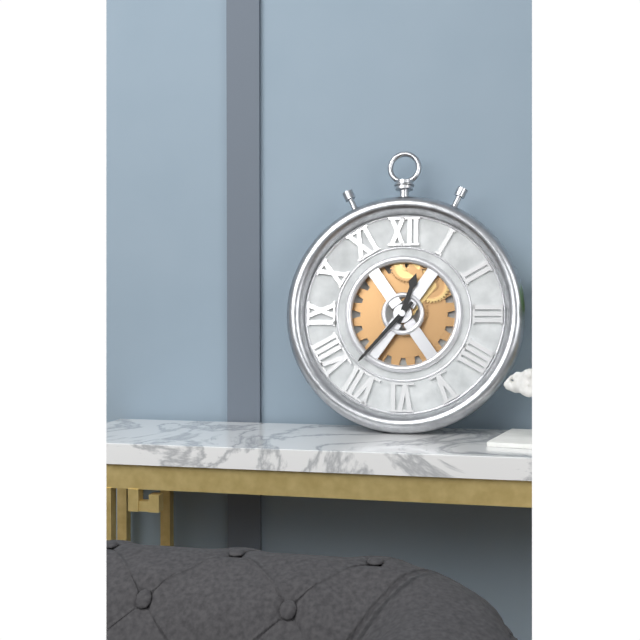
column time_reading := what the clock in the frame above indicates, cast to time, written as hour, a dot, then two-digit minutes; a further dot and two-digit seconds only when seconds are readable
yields 12.37
